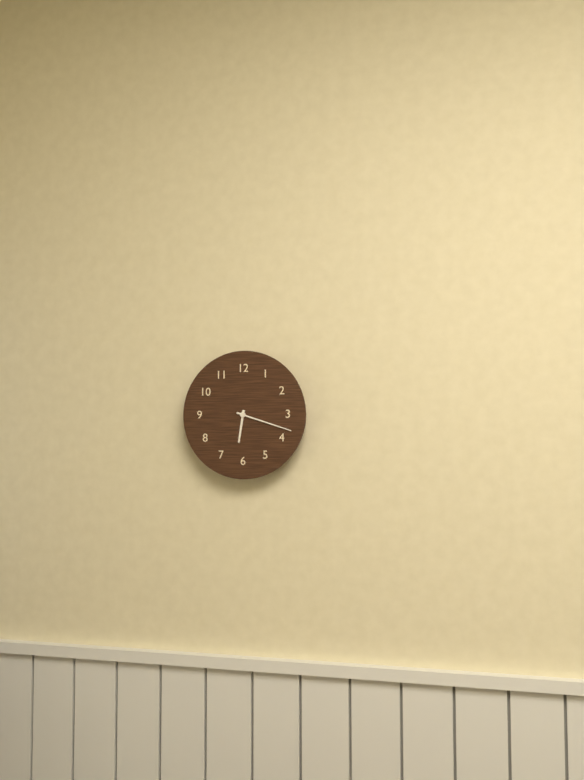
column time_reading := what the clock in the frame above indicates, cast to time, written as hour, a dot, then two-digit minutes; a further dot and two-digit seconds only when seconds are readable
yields 6.18
